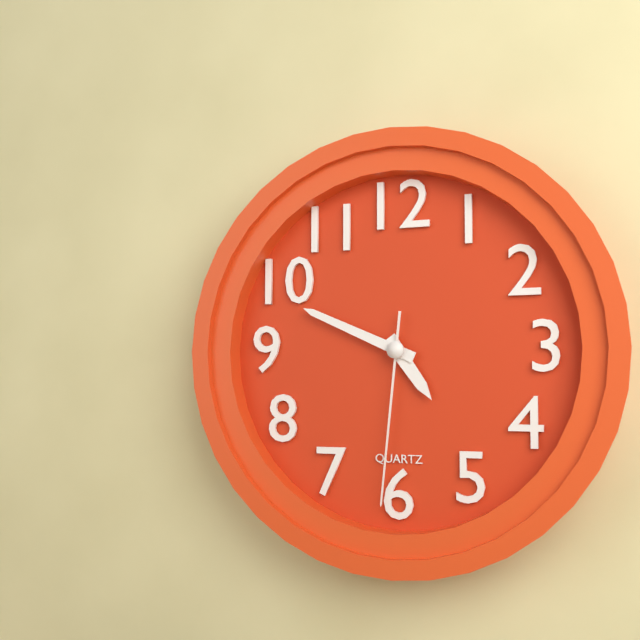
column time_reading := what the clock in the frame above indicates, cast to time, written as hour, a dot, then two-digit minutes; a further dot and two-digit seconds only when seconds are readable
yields 4.49.31
